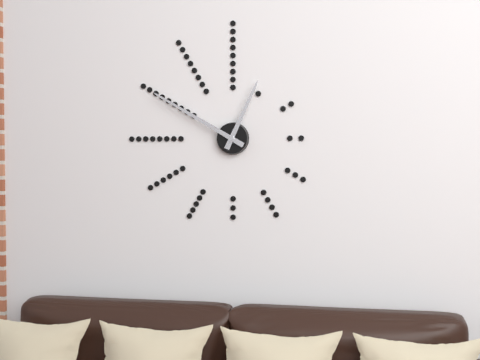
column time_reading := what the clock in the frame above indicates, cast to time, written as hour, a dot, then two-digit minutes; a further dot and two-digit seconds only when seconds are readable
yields 12.50
